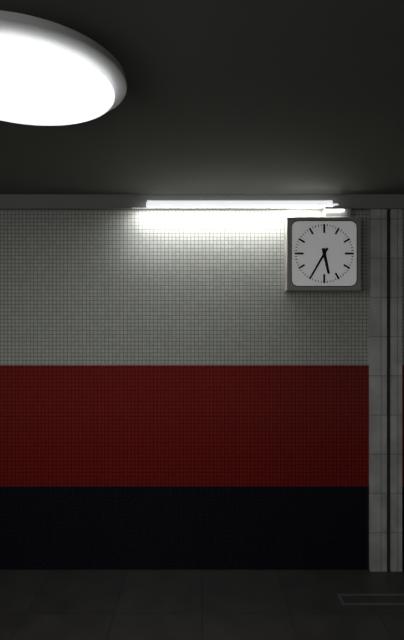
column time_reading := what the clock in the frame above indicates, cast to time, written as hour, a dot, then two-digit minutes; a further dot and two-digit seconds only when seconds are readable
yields 5.35
